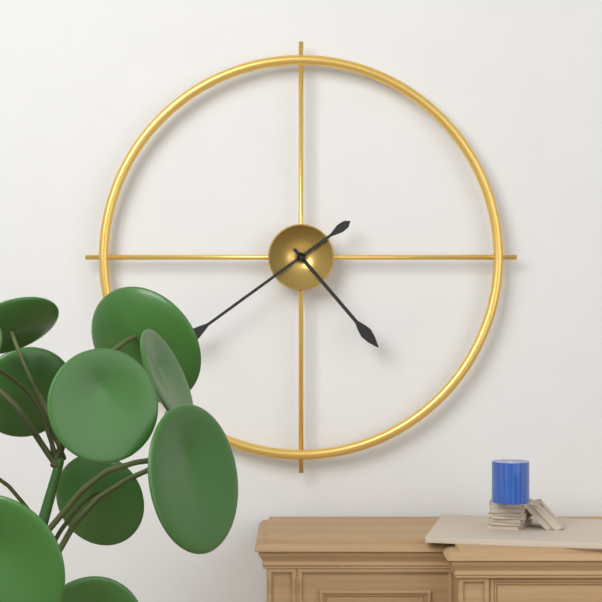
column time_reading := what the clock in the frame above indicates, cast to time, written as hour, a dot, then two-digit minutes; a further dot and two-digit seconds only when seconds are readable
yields 4.39
